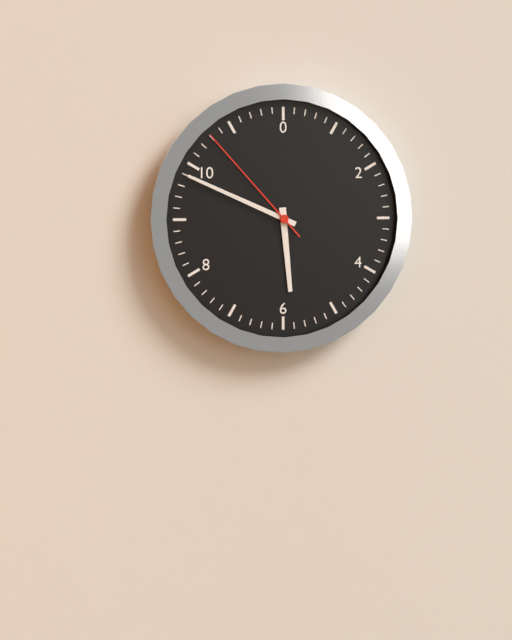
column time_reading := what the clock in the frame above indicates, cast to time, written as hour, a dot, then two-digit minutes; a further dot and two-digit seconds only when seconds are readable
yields 5.49.53
